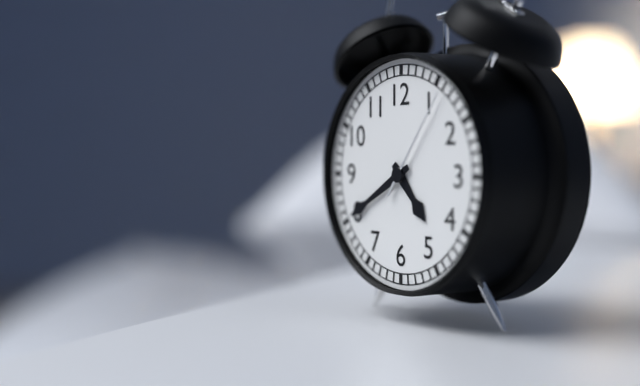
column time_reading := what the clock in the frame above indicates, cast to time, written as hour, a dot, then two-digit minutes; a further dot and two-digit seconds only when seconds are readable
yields 4.40.06
